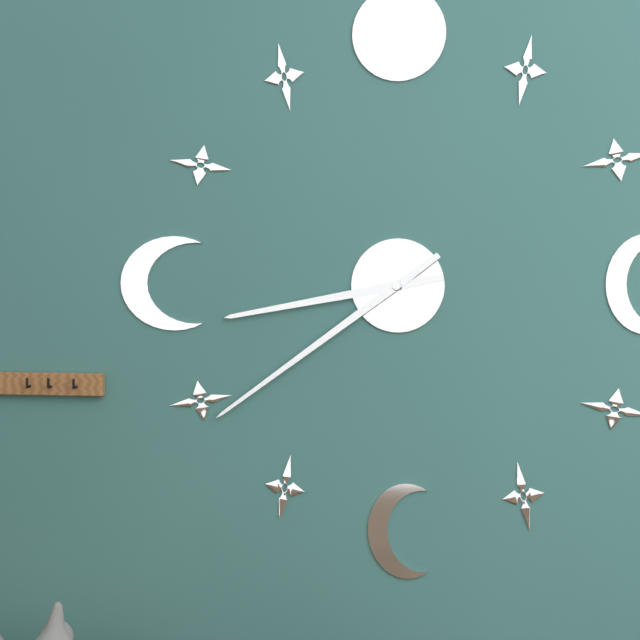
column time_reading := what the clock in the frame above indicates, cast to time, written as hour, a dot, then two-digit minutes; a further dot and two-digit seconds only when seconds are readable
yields 8.39
